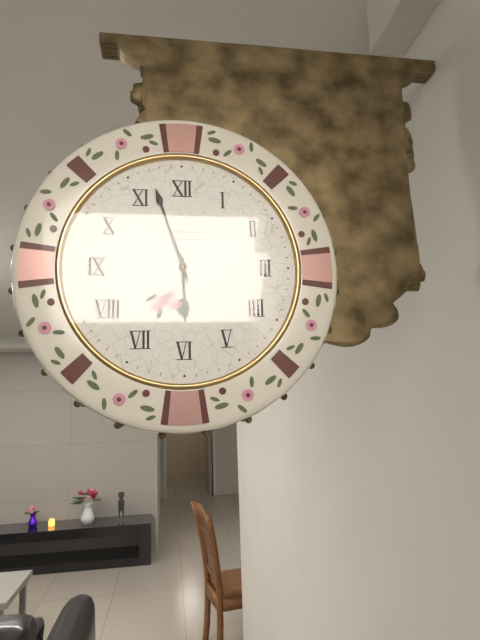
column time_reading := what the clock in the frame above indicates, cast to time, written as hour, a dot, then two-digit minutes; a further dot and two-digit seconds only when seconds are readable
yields 5.57
